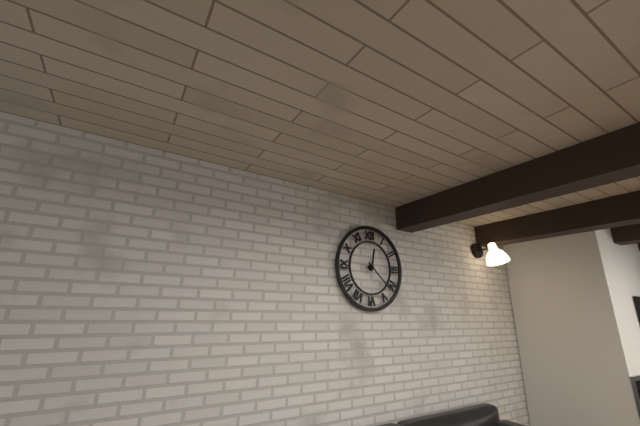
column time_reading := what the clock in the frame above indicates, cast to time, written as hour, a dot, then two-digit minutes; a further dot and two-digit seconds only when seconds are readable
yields 12.22
